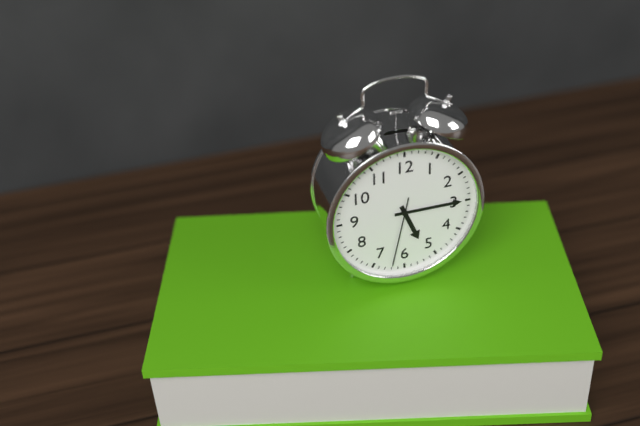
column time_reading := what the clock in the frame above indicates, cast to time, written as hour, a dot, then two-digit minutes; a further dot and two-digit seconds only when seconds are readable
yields 5.15.32
